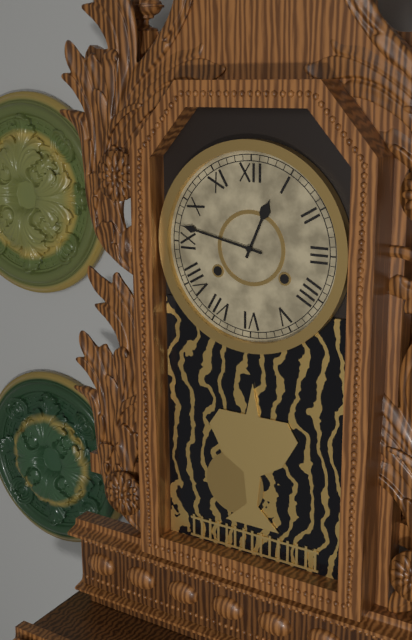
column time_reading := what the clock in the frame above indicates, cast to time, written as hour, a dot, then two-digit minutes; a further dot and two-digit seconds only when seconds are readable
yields 12.47
